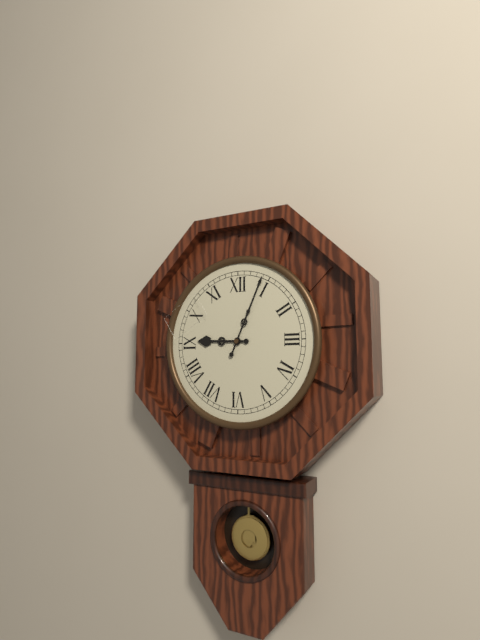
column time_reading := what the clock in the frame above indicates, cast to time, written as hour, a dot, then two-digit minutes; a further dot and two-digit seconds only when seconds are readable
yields 9.04
